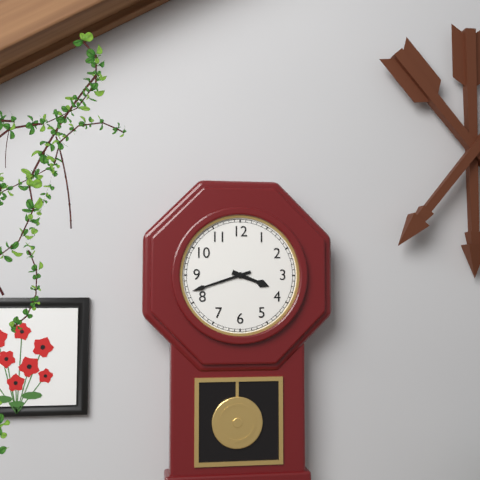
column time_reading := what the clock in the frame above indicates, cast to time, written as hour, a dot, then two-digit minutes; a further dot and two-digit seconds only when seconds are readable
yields 3.42
